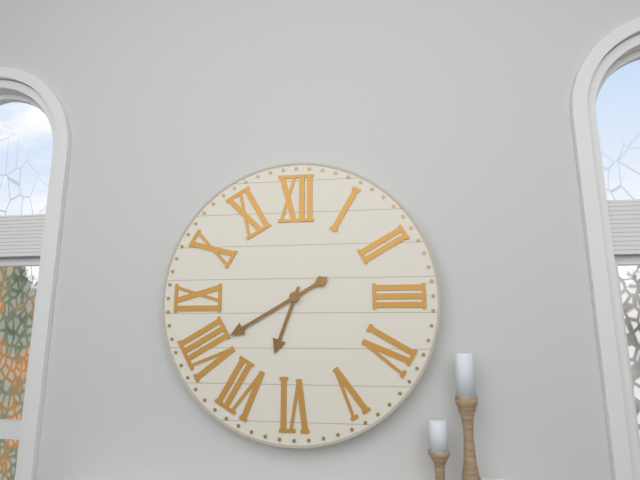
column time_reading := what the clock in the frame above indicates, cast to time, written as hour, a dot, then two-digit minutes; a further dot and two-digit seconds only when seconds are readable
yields 6.40
